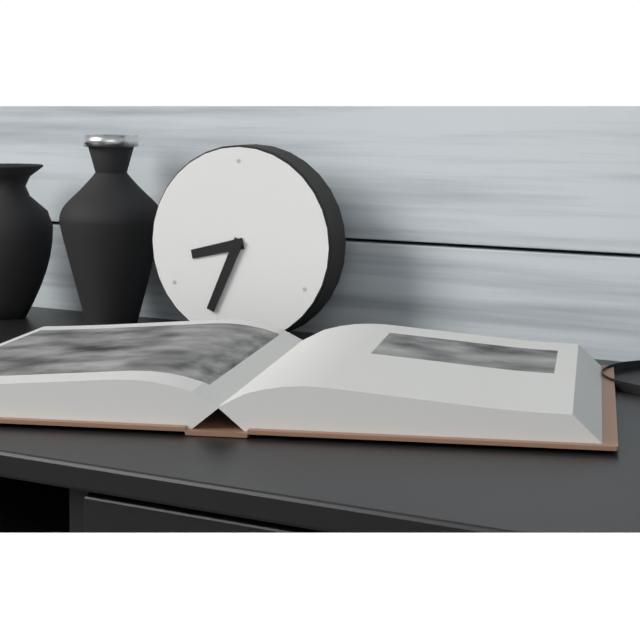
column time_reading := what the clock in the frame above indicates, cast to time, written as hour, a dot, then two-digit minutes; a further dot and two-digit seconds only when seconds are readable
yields 8.34
